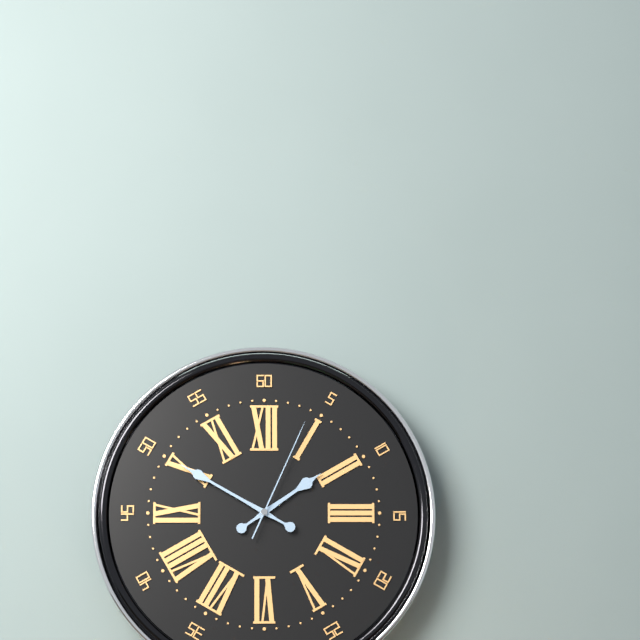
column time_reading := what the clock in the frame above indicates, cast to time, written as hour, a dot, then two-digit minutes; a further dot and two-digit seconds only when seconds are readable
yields 1.50.04
